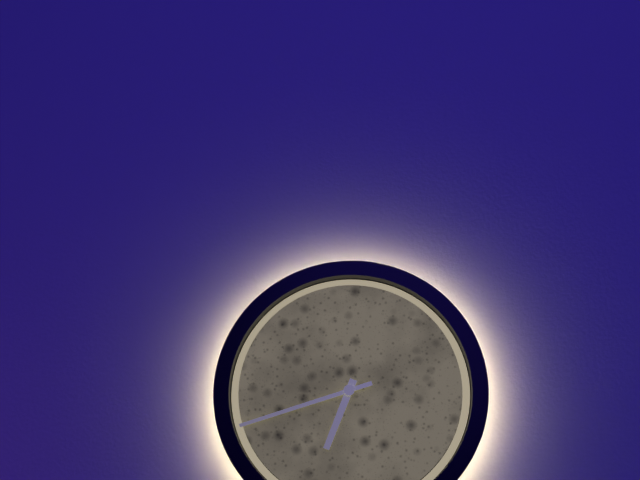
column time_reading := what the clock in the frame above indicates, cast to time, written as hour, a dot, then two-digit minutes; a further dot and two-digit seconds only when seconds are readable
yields 6.42
